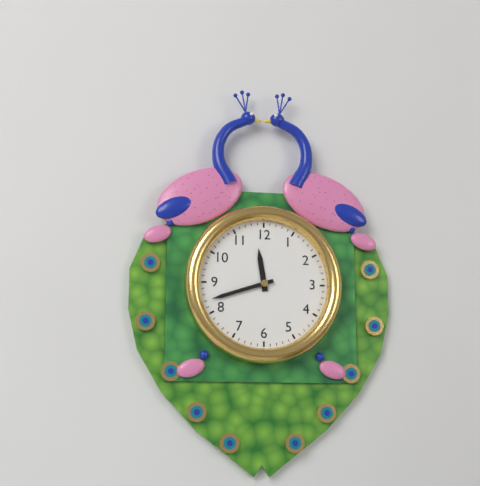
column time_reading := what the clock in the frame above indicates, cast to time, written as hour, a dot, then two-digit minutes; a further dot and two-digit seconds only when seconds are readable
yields 11.42
